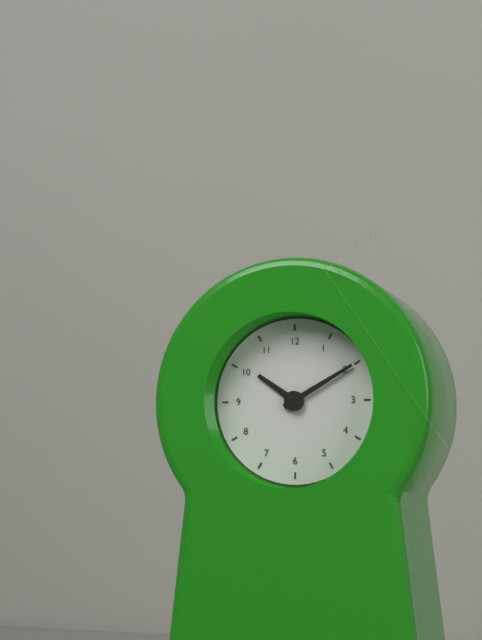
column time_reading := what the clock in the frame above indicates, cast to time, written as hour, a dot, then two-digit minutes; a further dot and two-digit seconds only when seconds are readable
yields 10.10
